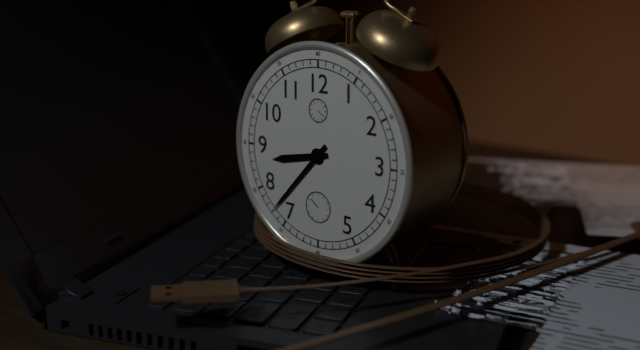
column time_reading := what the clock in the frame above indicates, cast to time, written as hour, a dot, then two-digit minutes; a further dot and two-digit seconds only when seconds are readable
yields 8.37
